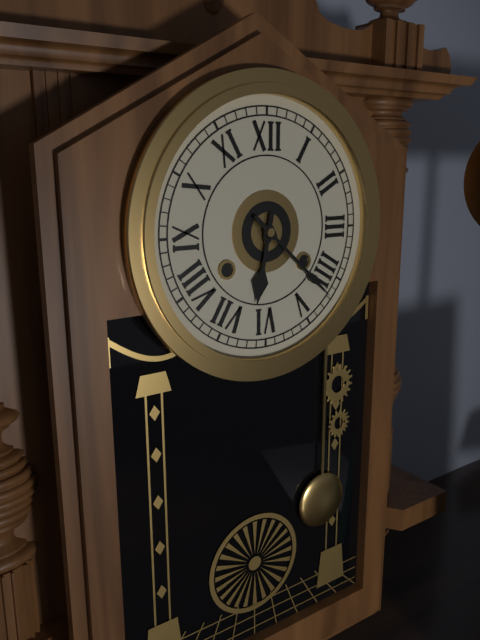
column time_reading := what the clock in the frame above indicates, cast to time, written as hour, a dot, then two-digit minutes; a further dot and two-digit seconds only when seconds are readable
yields 6.22
